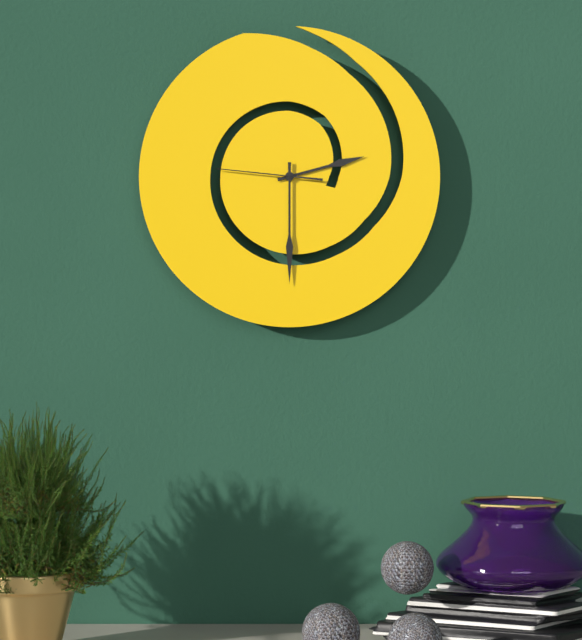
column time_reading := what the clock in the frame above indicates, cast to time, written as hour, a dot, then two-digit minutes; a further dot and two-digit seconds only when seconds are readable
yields 2.30.46
